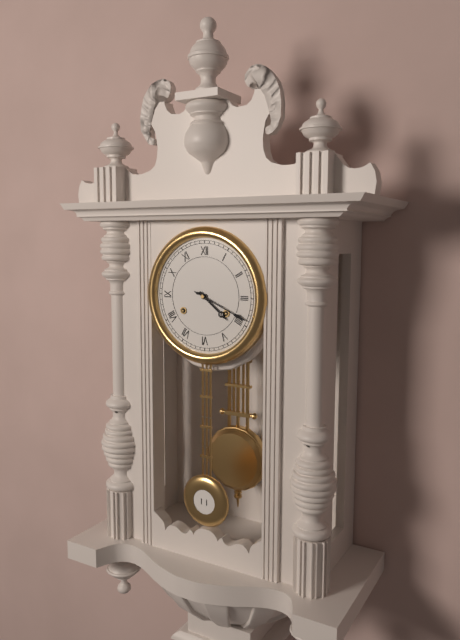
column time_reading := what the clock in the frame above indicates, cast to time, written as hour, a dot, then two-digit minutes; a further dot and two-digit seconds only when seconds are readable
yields 4.19
